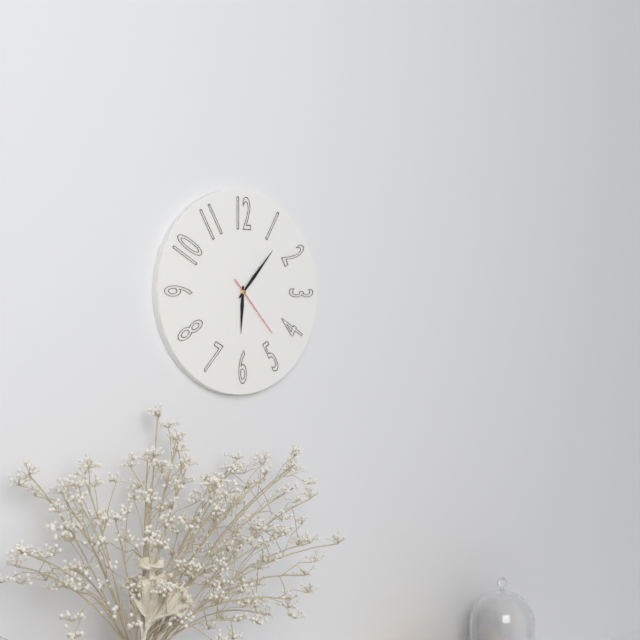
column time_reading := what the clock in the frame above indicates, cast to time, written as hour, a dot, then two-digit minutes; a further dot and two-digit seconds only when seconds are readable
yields 6.07.23
